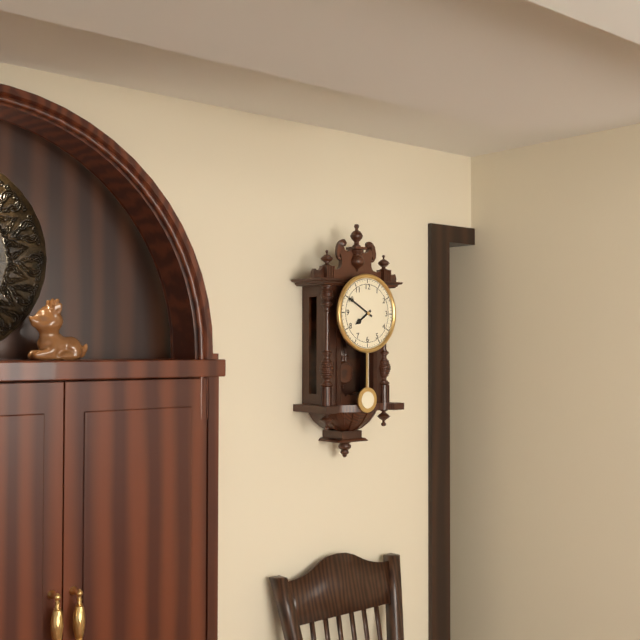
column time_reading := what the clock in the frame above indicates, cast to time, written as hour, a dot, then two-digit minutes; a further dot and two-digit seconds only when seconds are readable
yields 7.50
